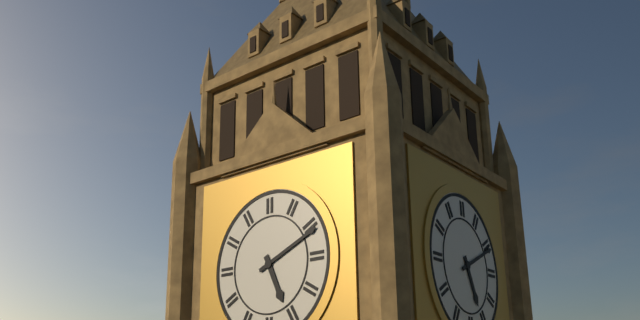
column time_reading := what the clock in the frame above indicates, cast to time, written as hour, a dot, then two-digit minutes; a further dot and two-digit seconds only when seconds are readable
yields 5.11
